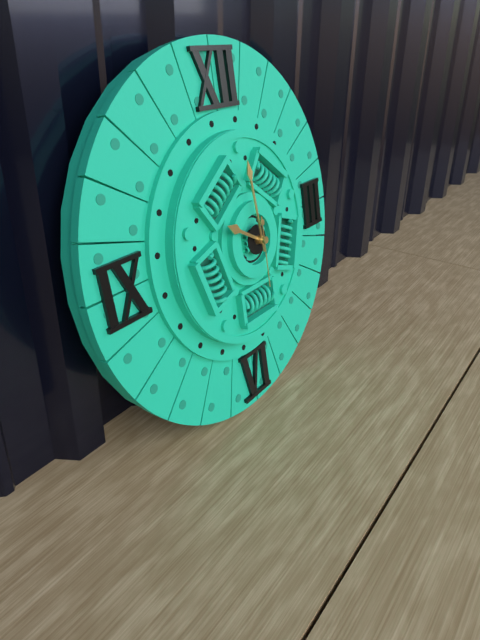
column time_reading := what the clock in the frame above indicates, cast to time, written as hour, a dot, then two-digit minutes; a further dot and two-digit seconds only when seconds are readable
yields 9.59.30
